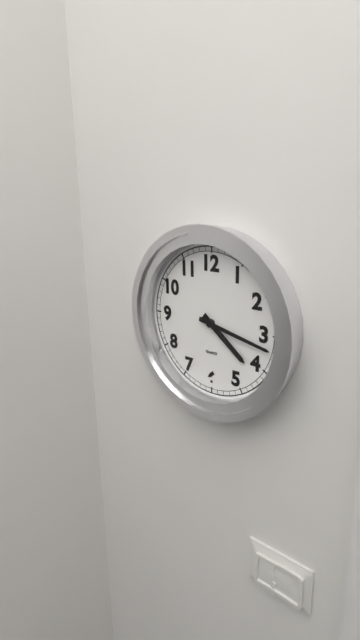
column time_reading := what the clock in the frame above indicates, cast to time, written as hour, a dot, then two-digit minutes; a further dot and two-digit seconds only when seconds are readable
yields 4.17
